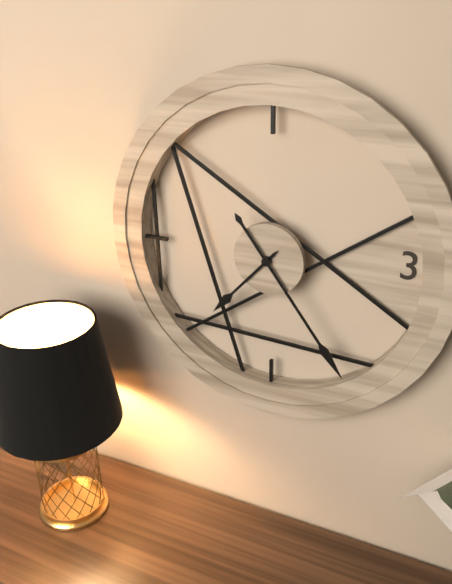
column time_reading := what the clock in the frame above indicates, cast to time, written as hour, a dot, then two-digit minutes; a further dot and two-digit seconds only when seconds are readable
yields 7.24
